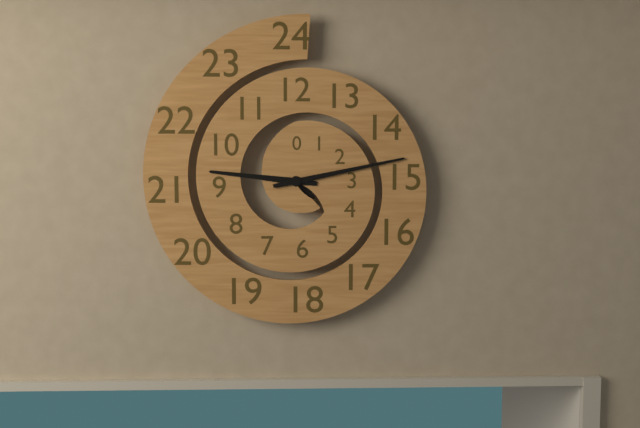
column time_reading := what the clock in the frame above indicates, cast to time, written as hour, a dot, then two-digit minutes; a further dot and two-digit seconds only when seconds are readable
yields 9.13
